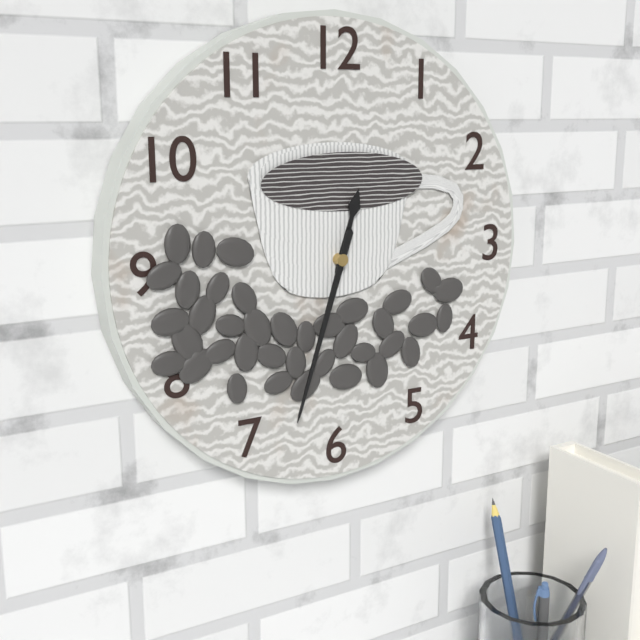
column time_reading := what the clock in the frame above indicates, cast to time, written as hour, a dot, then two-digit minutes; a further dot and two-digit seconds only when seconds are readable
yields 12.33
